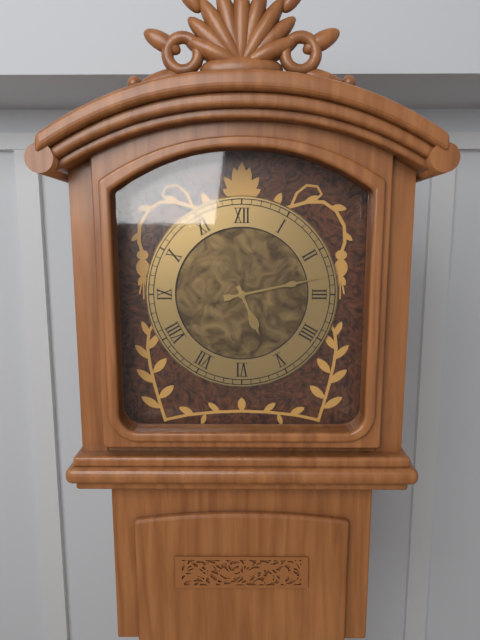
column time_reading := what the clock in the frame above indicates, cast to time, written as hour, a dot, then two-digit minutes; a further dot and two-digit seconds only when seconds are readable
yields 5.13
